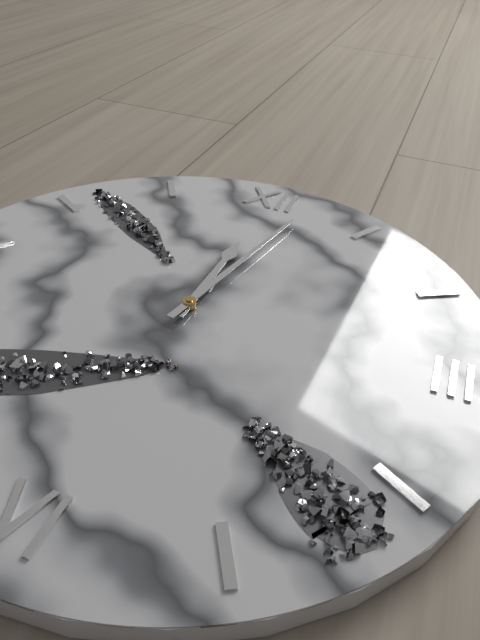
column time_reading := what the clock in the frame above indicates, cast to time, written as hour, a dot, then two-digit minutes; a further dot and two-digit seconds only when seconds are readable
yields 12.02
